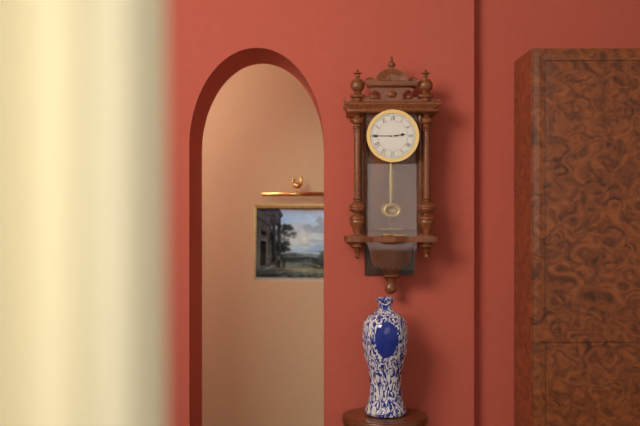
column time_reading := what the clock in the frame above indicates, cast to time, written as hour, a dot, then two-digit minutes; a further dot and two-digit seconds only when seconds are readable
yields 2.45
